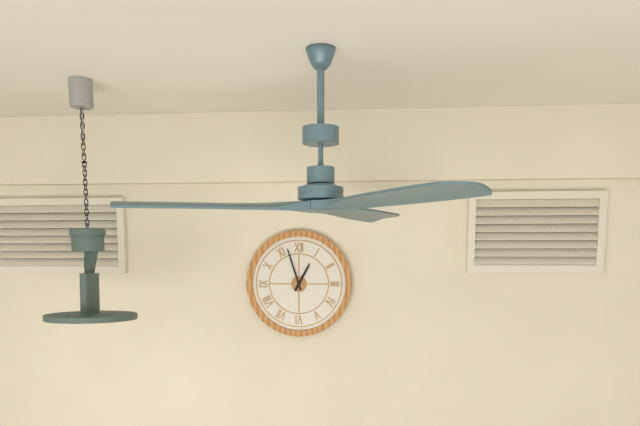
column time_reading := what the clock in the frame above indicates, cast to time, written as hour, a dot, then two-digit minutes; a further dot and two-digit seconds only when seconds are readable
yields 12.57
